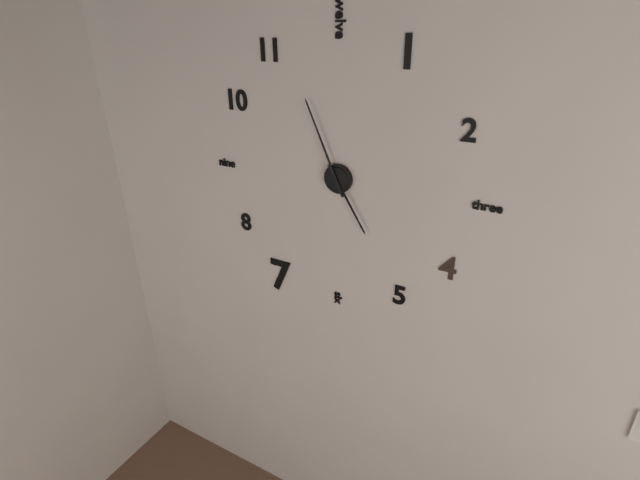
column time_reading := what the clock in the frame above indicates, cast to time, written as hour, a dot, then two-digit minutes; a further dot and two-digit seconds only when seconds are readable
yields 4.56
